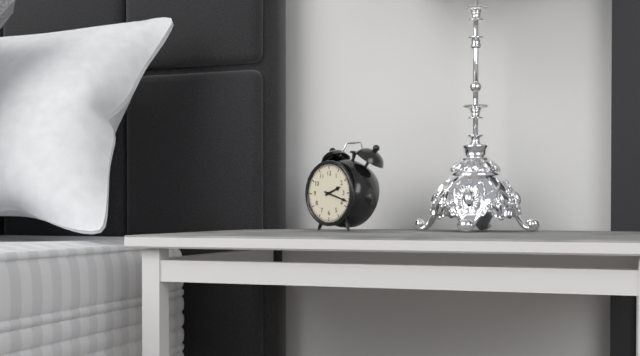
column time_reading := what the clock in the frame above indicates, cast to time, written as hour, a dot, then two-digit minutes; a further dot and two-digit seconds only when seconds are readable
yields 2.18
